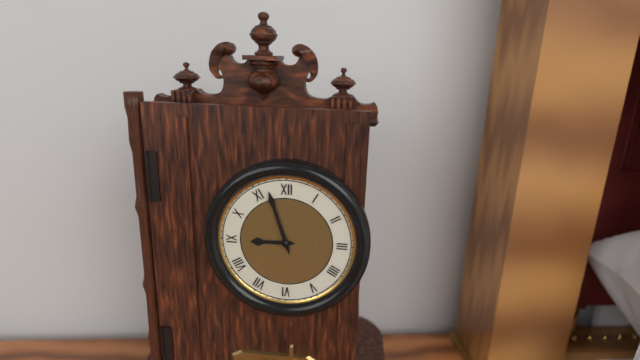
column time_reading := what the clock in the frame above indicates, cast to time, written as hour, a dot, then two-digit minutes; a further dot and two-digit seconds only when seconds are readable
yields 8.57
